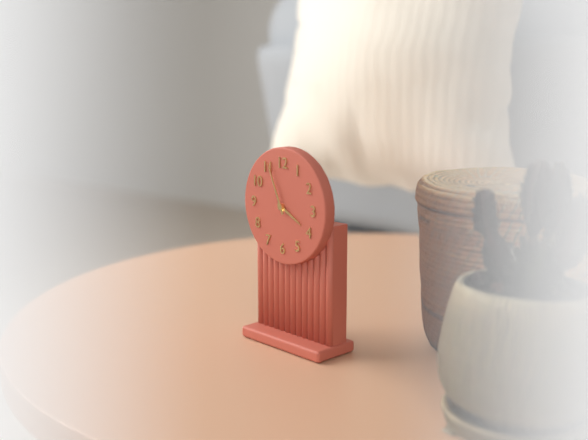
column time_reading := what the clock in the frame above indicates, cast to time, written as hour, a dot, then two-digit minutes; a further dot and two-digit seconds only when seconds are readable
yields 3.56
